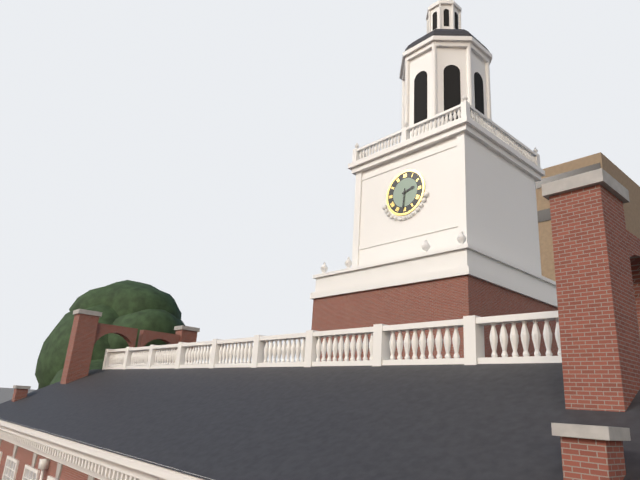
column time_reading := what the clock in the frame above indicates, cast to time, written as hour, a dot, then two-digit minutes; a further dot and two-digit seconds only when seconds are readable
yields 2.31
